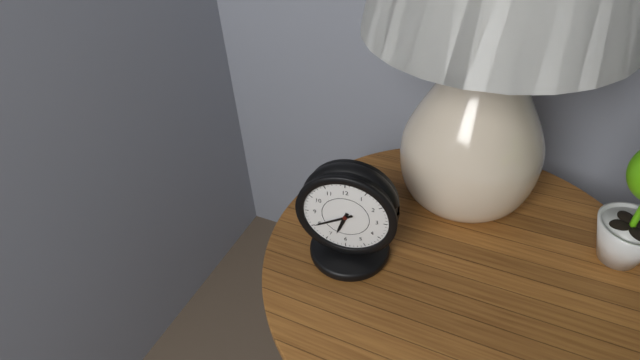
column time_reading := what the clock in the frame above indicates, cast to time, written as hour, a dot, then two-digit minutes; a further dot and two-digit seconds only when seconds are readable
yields 6.40
